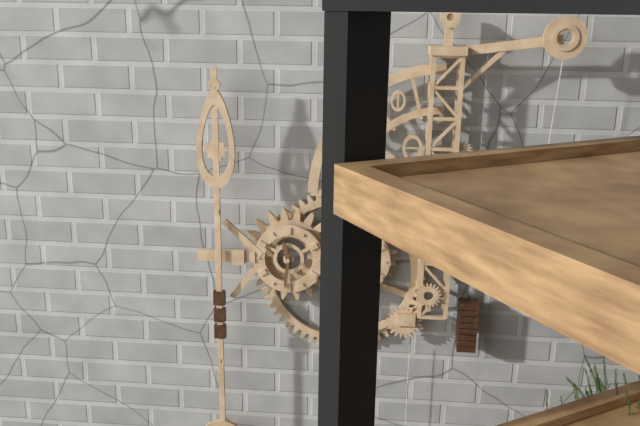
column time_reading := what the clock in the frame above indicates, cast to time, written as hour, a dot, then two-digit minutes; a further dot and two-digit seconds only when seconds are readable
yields 11.31
